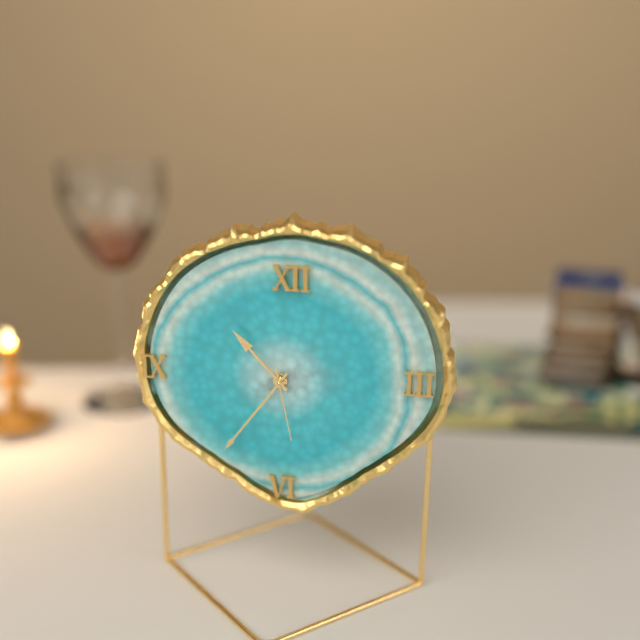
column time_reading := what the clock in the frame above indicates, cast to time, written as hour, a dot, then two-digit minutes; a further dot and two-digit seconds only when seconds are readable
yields 10.36.28
